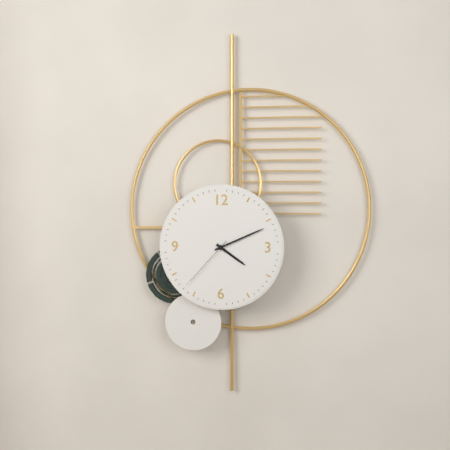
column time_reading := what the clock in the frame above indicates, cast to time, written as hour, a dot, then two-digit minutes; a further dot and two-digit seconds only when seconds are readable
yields 4.11.37
